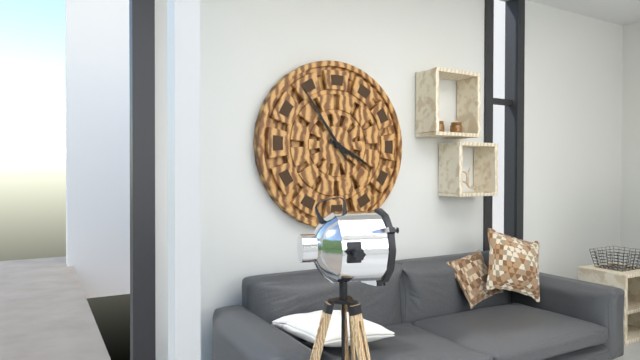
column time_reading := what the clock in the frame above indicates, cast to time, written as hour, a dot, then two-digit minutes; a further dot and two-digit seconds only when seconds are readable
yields 3.54
